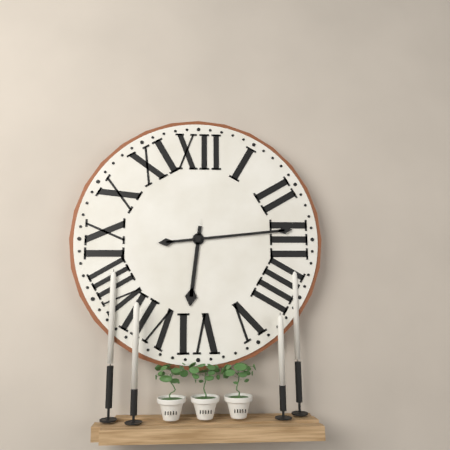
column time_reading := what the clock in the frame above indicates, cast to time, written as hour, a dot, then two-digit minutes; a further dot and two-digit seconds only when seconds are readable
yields 6.14
